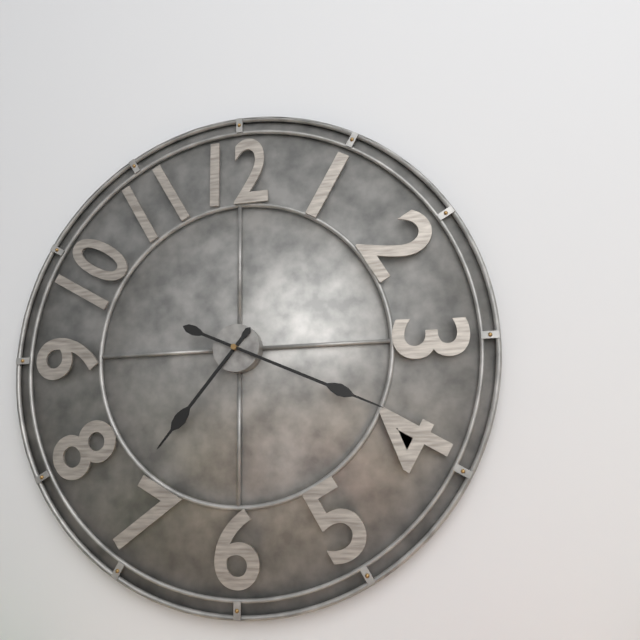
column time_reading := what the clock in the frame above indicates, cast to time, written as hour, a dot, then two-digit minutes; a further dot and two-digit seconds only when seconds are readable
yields 7.19
